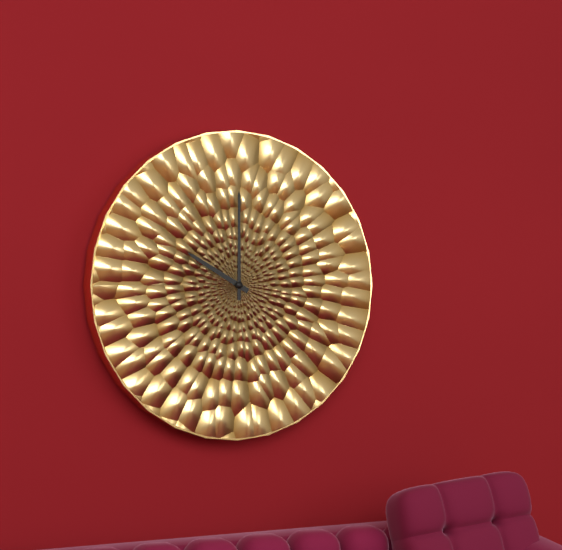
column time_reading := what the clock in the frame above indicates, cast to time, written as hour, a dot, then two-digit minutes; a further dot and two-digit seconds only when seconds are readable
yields 10.00
